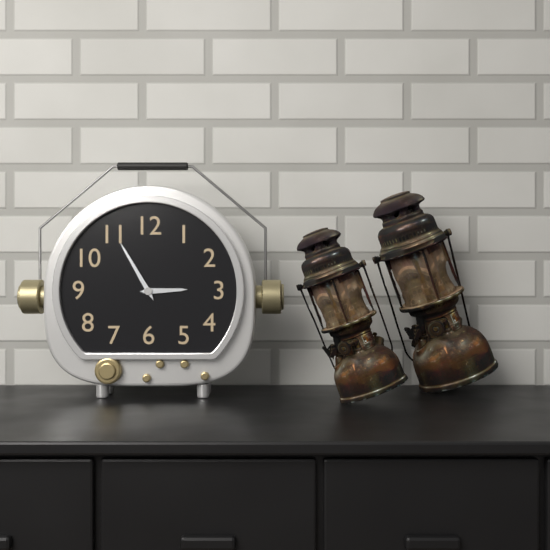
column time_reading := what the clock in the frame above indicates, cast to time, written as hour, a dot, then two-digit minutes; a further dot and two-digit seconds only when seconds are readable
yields 2.55
